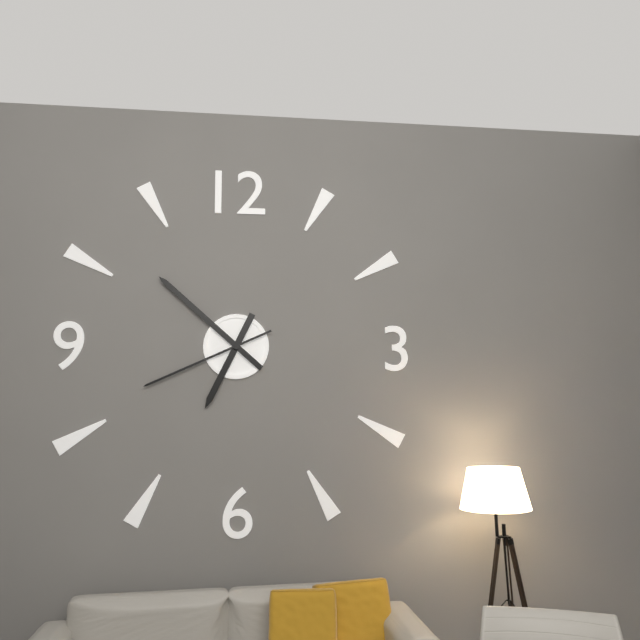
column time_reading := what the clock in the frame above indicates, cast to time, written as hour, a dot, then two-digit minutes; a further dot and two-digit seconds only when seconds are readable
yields 6.52.41
